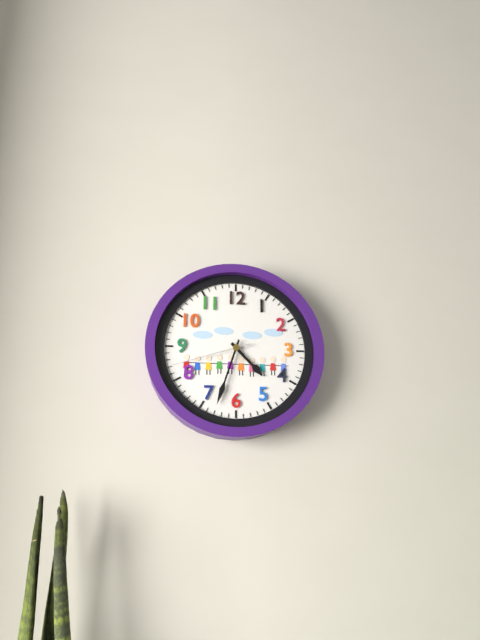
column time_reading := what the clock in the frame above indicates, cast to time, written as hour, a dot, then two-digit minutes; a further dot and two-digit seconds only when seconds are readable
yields 4.33.42
